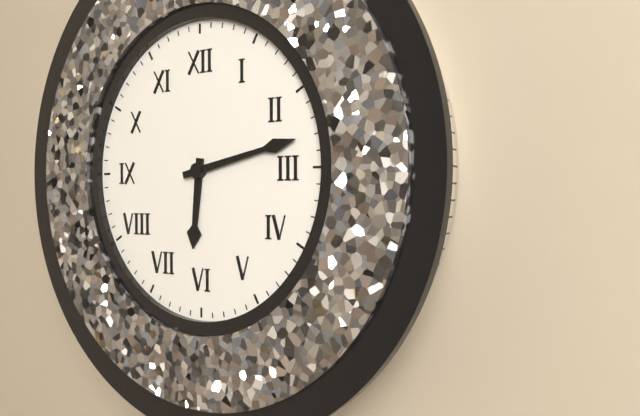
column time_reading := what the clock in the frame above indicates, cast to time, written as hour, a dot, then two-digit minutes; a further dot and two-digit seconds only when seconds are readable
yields 6.13
